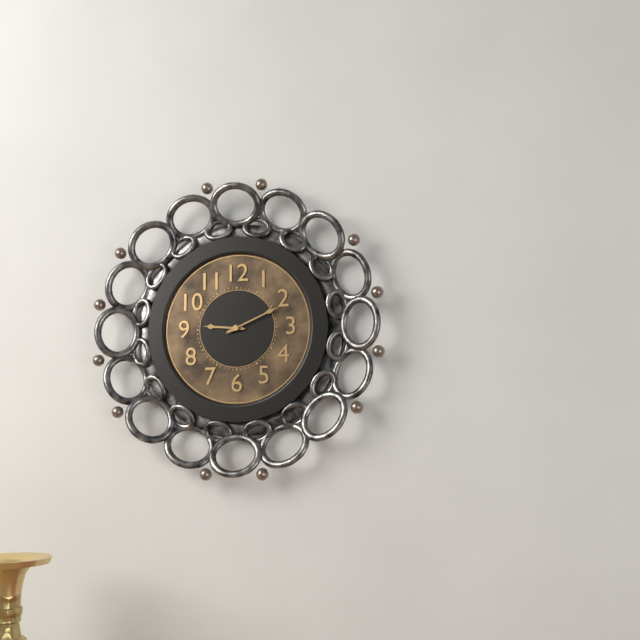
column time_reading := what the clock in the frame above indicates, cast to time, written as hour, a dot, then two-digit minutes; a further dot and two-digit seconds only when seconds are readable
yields 9.11
